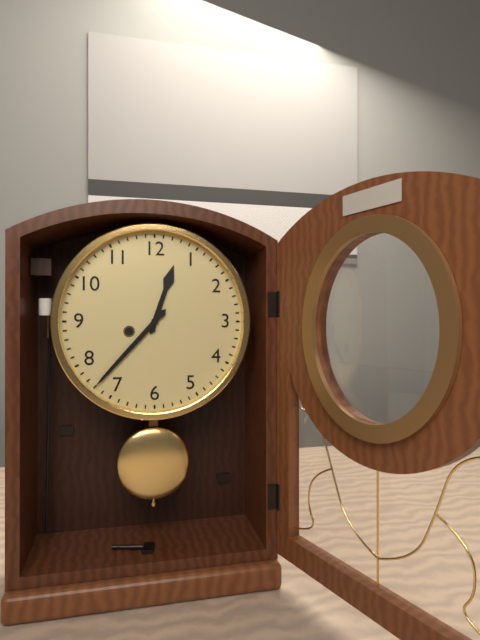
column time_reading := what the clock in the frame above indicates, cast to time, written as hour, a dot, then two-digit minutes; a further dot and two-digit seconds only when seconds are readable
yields 12.37
